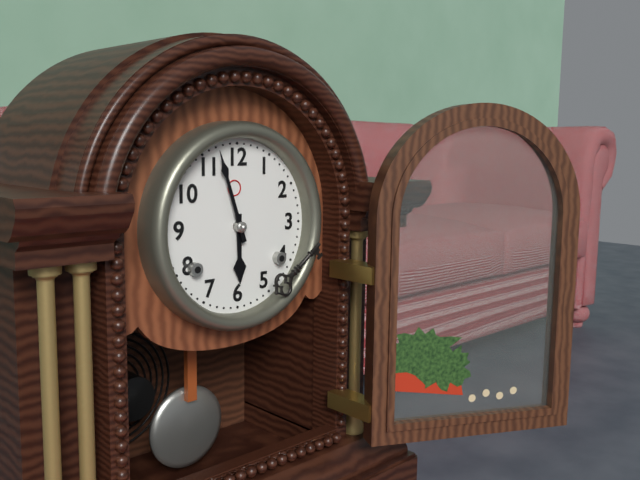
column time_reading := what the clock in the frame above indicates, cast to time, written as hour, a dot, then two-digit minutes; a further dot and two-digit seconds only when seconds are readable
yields 5.57
